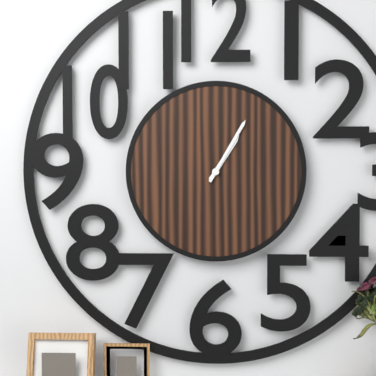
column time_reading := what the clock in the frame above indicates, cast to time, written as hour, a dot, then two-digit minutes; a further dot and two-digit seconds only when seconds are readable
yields 1.05
